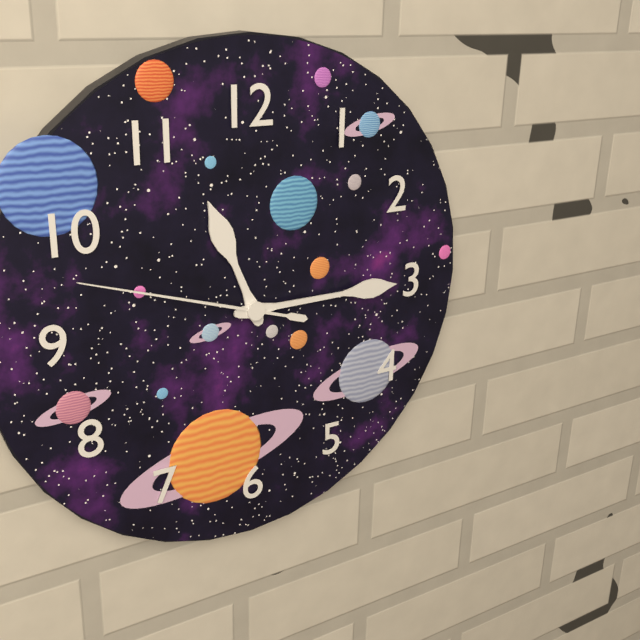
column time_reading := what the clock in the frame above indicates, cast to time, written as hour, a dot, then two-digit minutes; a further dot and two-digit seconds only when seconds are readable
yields 11.15.48
